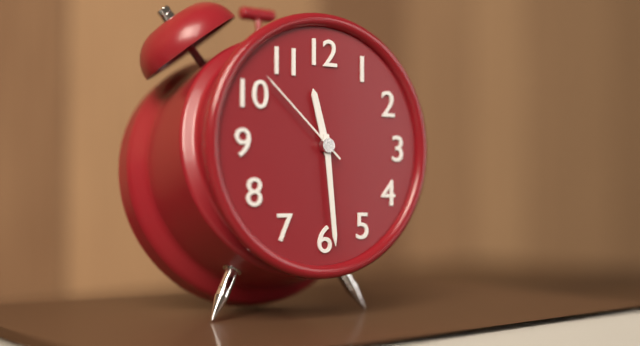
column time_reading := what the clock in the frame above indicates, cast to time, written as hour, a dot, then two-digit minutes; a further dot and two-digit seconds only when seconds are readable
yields 11.29.52
